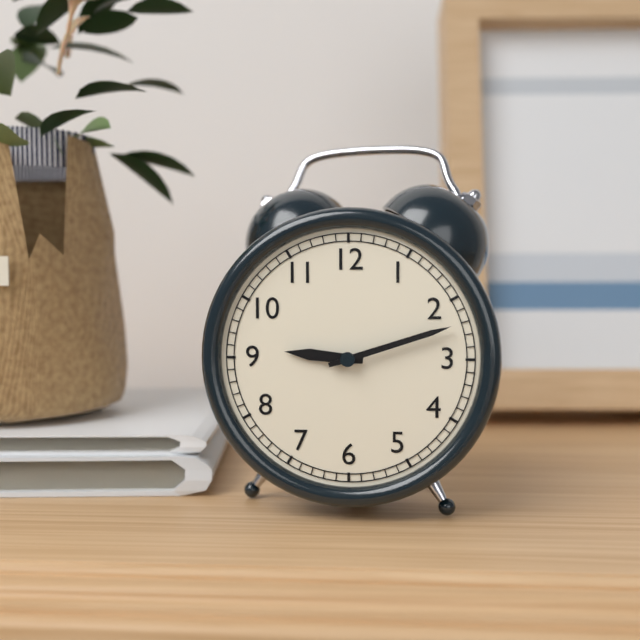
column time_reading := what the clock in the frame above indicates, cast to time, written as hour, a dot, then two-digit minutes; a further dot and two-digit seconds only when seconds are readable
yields 9.12
